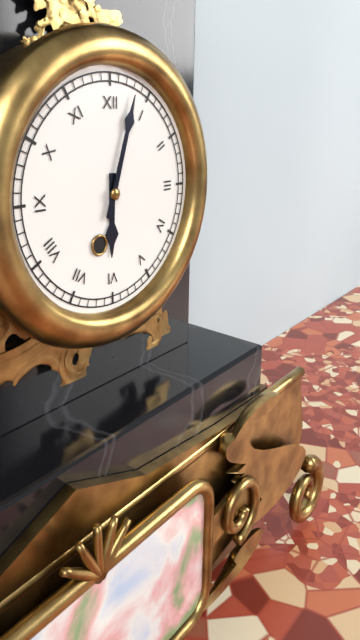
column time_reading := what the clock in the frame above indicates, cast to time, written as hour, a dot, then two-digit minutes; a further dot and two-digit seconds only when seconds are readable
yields 6.03
